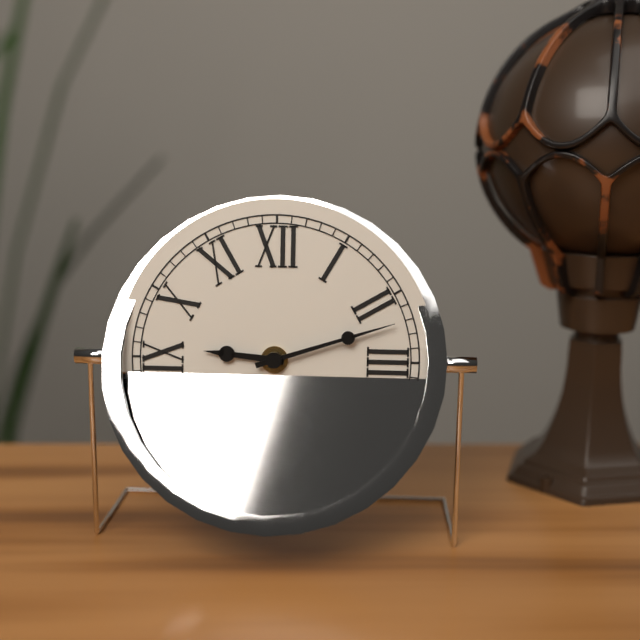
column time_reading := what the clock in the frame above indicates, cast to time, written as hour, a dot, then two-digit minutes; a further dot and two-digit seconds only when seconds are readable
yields 9.12
